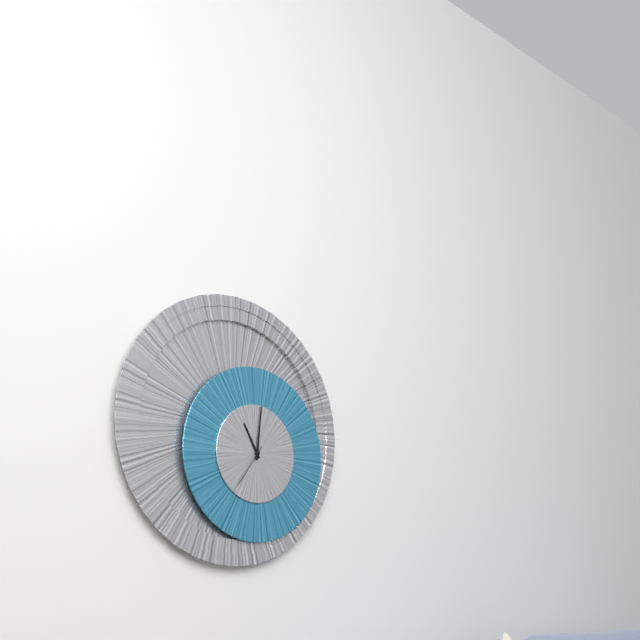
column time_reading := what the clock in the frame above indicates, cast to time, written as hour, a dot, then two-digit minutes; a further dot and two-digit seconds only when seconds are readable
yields 11.01
